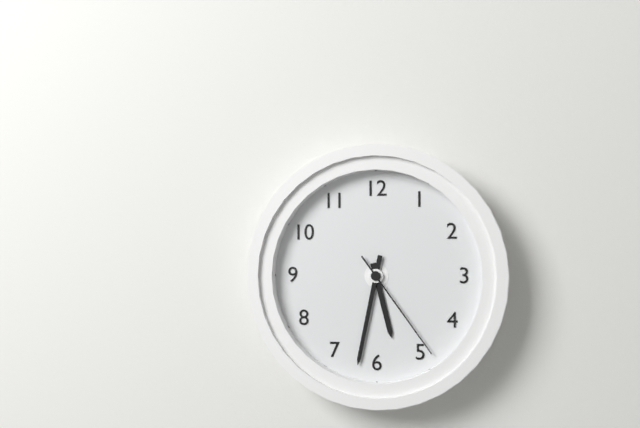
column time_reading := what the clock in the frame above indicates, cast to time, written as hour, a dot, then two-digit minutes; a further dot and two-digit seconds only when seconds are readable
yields 5.32.24
